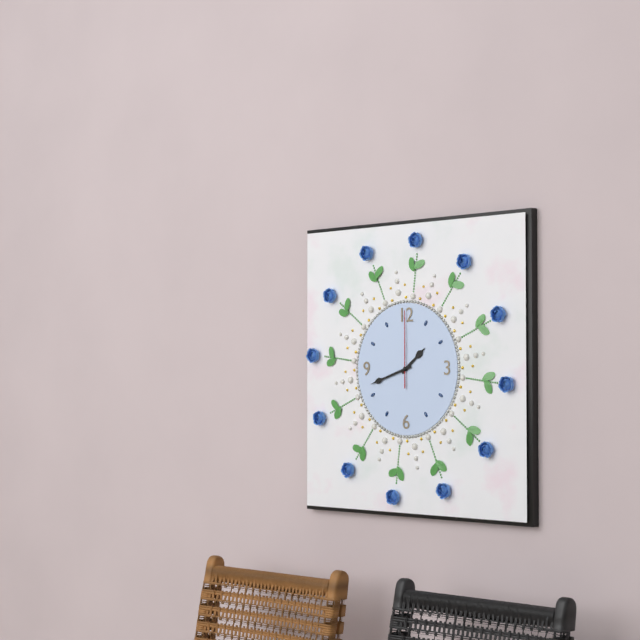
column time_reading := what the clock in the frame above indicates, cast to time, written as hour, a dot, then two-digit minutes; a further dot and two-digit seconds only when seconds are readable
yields 1.42.00
